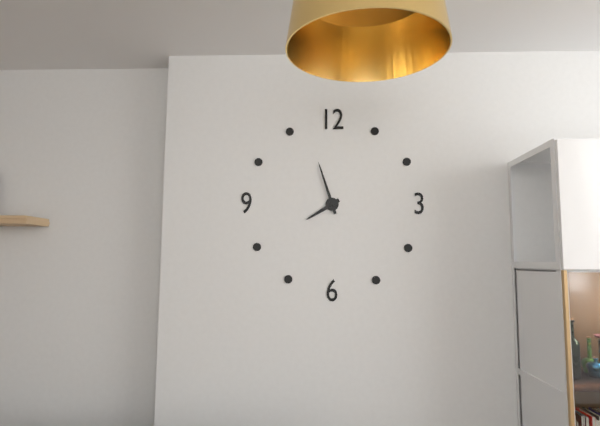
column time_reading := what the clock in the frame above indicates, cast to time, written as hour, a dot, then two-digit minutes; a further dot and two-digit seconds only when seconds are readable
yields 7.57
